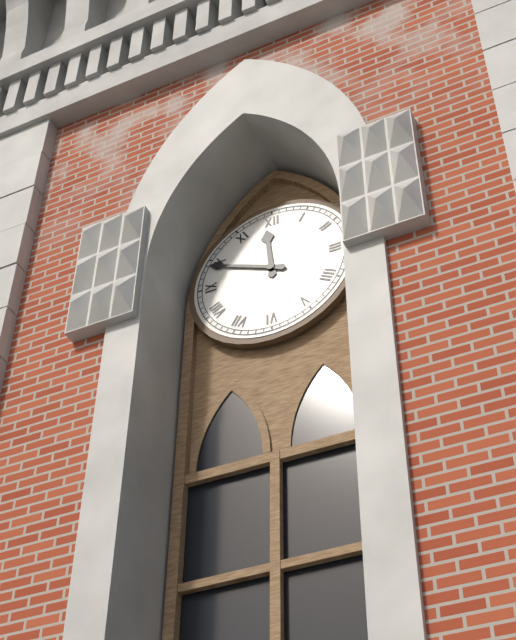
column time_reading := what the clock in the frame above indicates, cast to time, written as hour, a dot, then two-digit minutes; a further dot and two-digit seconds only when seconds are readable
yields 11.49
